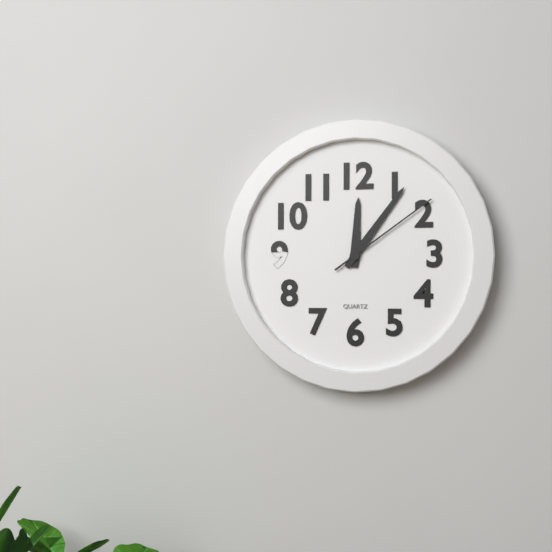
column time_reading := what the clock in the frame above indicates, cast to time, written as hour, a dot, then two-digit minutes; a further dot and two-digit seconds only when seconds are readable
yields 12.06.09
